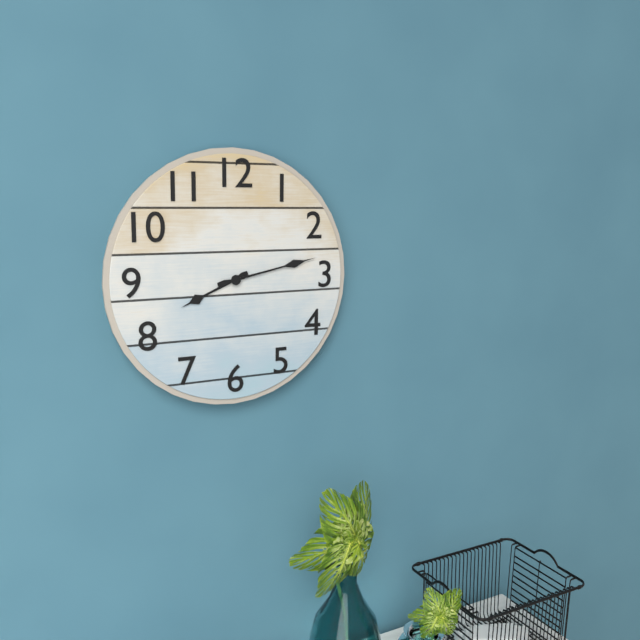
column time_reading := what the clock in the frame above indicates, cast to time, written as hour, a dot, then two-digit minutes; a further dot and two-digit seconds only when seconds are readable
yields 8.13
